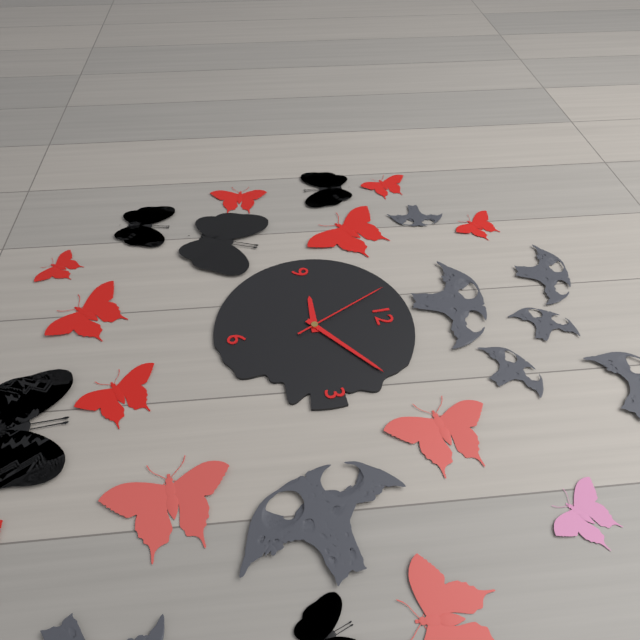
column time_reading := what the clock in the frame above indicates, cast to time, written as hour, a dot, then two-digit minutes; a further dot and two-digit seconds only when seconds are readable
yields 9.09.56
